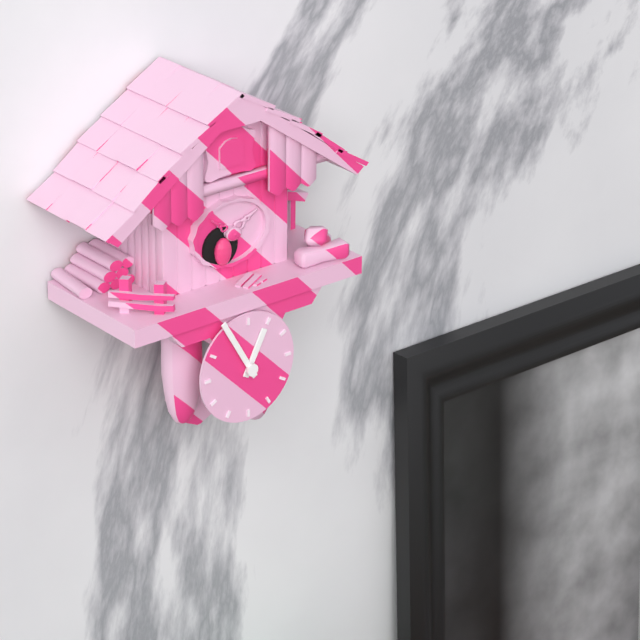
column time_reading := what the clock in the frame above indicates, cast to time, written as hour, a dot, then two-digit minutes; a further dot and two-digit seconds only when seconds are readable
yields 12.55
